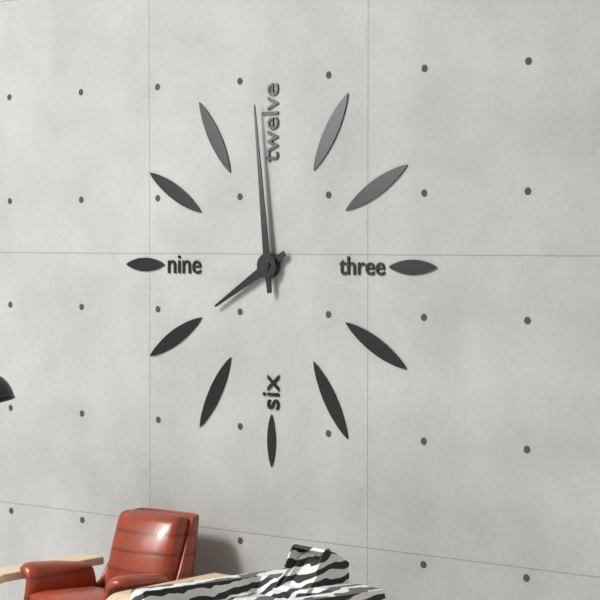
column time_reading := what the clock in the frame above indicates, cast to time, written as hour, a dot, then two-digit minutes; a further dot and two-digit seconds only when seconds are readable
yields 7.59
